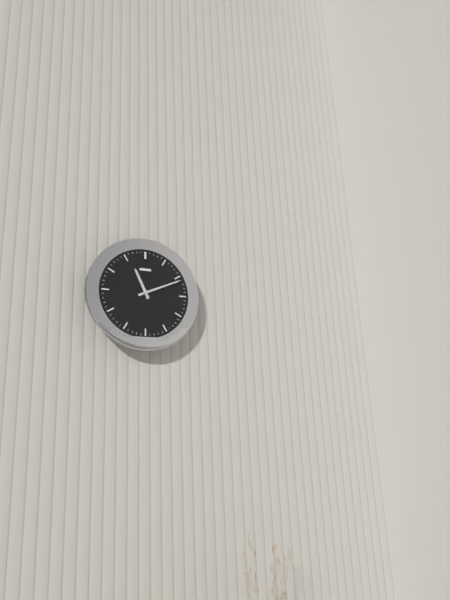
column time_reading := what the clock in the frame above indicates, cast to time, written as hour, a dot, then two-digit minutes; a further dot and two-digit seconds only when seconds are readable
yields 11.11
